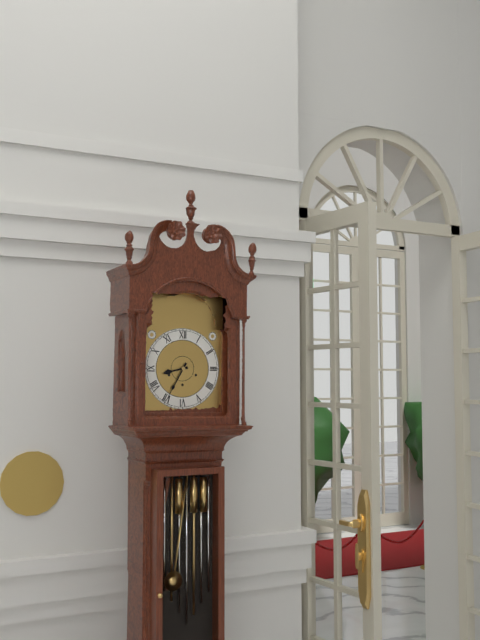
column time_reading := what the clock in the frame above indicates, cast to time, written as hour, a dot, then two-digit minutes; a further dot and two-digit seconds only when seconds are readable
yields 8.35
